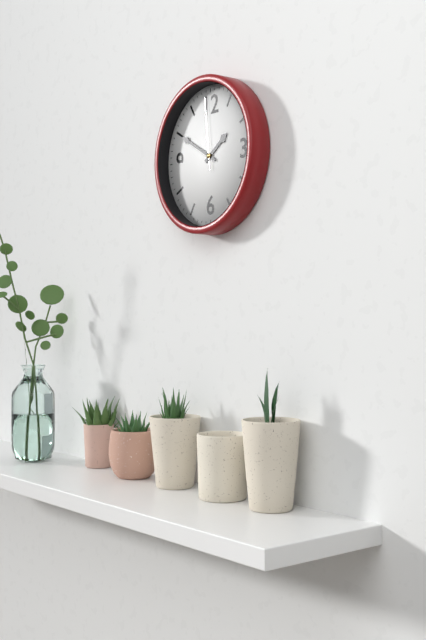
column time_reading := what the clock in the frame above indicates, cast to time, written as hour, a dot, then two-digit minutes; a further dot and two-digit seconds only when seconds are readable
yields 1.50.59
